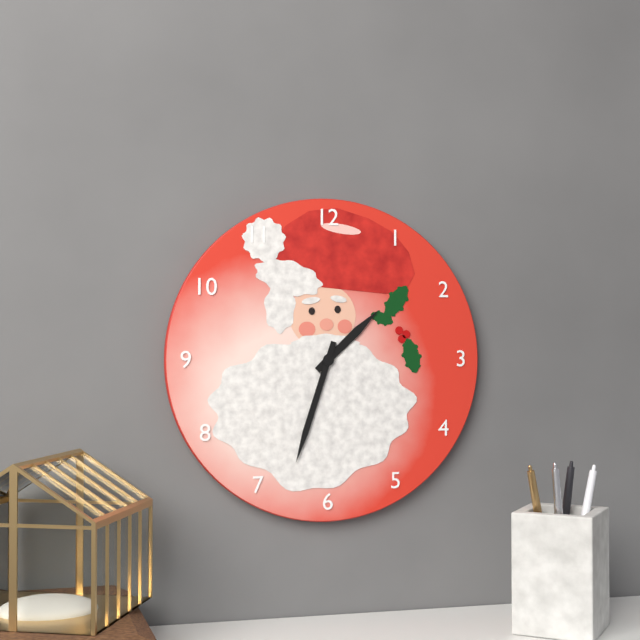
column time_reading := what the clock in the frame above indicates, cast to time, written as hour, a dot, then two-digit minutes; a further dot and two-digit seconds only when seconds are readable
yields 1.33
